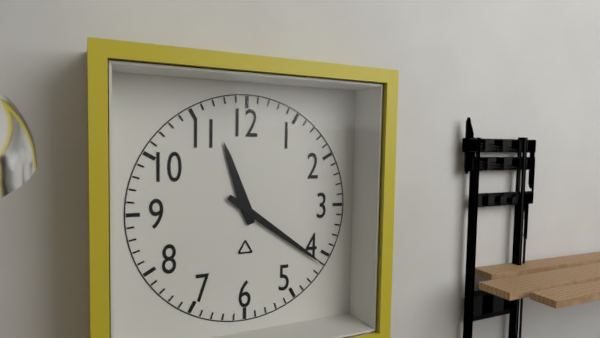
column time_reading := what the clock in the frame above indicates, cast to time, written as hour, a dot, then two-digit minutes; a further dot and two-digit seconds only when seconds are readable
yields 11.21
